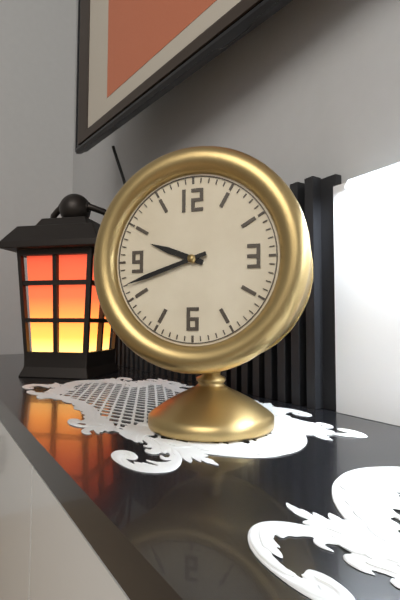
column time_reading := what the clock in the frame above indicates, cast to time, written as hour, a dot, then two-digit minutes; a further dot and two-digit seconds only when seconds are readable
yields 9.42
